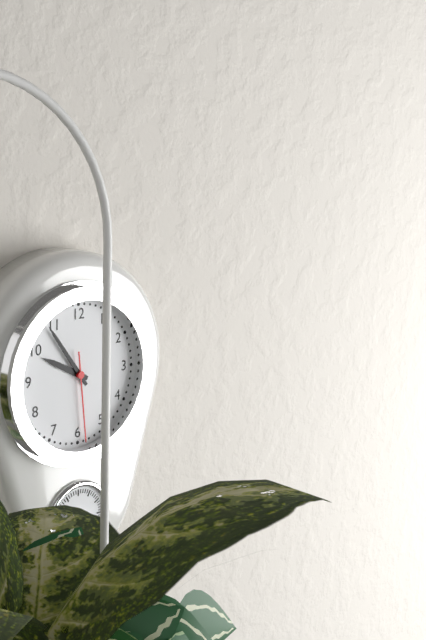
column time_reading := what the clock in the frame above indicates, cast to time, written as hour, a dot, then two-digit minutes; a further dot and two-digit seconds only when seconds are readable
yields 9.54.29
